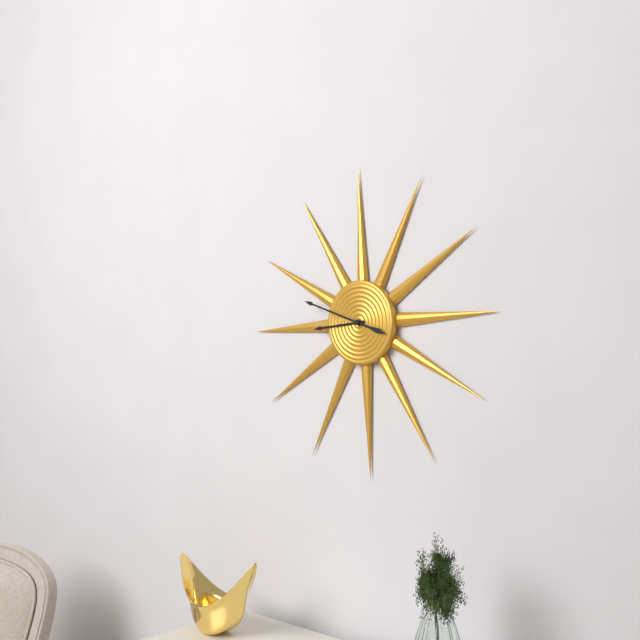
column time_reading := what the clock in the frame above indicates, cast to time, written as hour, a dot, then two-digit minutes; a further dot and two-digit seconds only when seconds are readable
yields 8.48
